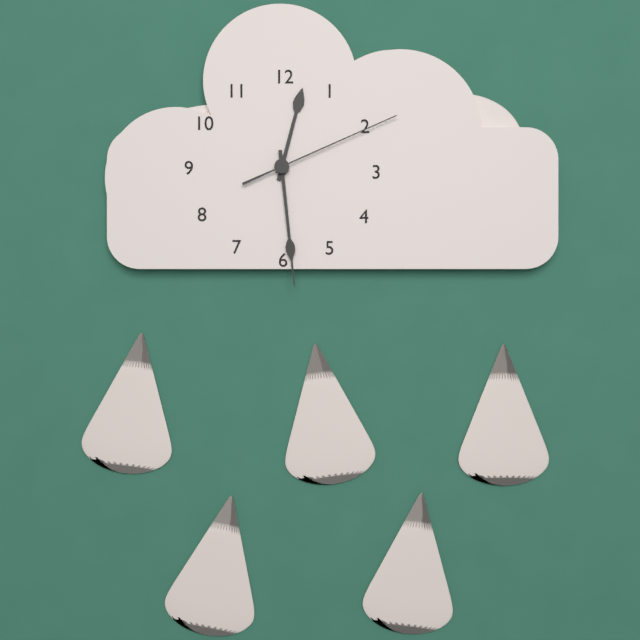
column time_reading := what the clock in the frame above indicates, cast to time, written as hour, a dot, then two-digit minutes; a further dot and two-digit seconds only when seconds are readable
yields 12.29.11
